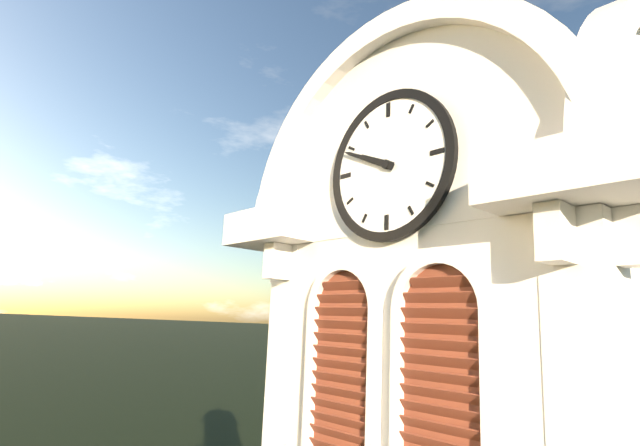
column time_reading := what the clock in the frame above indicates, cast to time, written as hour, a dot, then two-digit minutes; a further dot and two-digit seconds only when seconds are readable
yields 9.49
